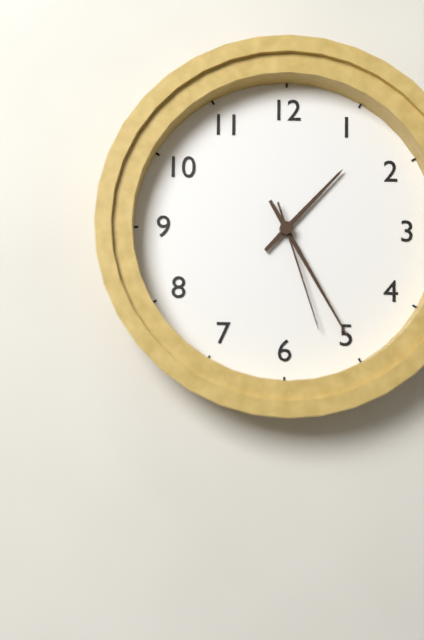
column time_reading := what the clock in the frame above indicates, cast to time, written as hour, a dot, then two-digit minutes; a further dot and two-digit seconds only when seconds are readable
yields 1.25.27
